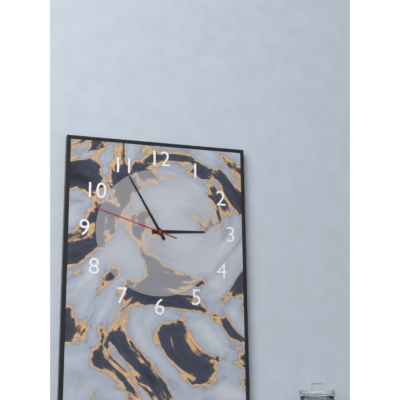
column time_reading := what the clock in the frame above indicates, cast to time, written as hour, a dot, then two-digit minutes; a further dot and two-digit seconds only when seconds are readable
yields 2.55.48
